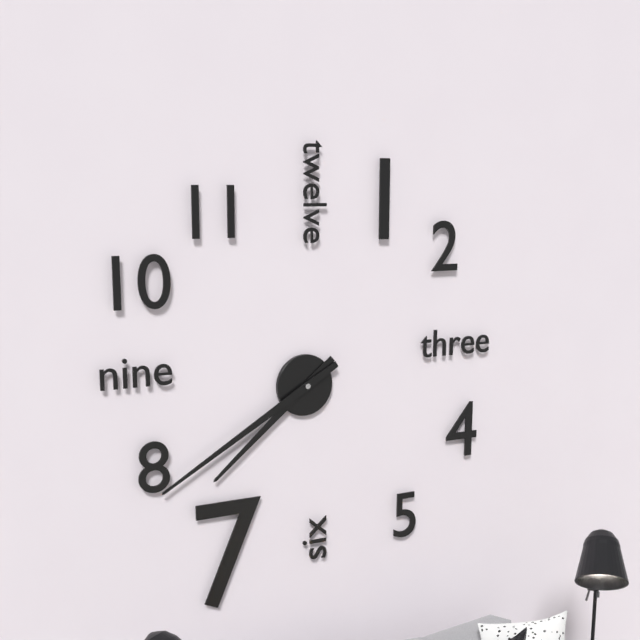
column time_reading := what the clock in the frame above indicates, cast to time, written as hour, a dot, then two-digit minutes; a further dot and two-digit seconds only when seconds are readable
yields 7.40
